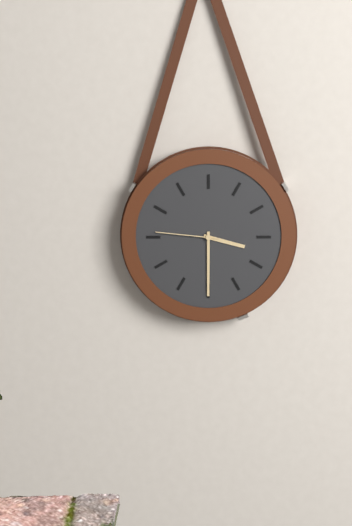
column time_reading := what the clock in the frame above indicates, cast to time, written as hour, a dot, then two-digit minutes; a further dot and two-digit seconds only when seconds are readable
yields 3.30.46
